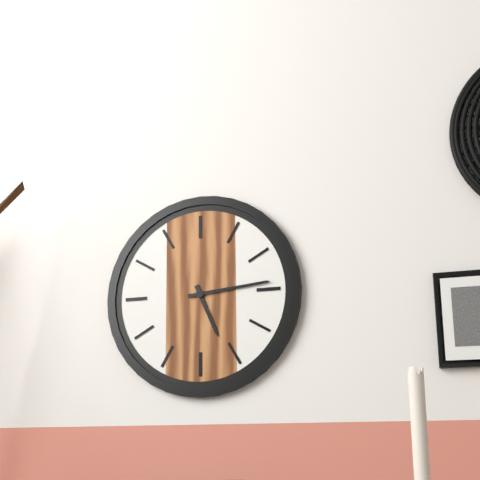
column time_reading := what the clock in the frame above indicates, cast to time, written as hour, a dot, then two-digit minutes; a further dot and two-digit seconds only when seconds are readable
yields 5.14
